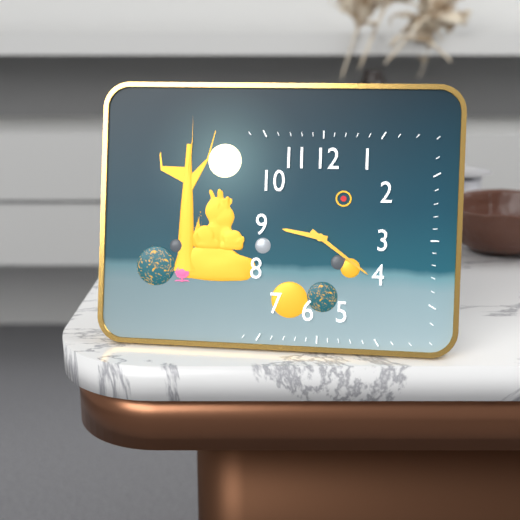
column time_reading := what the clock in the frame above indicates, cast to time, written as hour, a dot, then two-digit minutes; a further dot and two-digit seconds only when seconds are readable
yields 9.21
